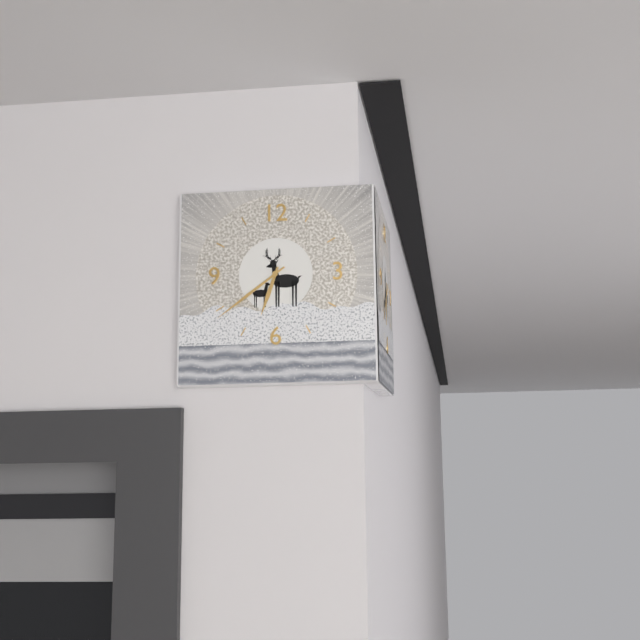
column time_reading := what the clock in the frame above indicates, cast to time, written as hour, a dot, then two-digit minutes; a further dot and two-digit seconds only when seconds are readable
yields 6.39
